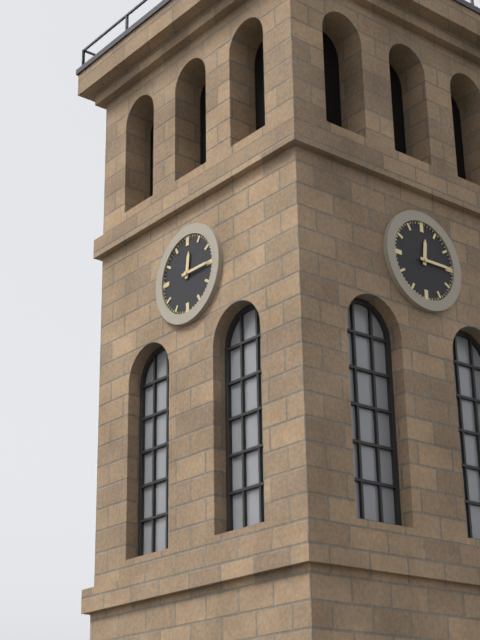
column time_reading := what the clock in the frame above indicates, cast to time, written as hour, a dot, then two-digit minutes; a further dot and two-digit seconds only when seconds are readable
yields 12.15
